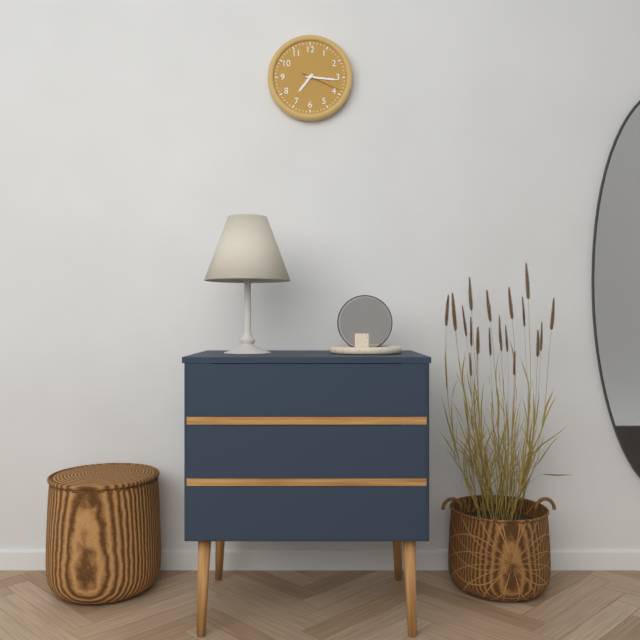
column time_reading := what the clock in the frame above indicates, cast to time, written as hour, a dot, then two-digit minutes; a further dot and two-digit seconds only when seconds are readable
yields 7.16
